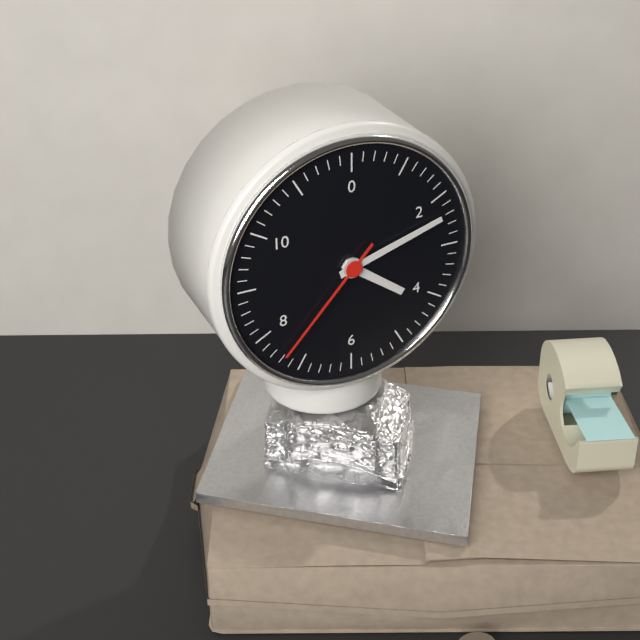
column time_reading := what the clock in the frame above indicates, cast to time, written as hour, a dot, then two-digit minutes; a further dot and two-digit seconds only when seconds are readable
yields 4.12.37
